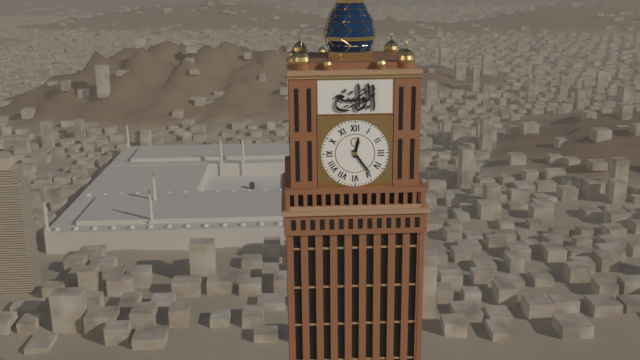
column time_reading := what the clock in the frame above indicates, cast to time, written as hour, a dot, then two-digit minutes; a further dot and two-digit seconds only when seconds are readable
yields 12.24
